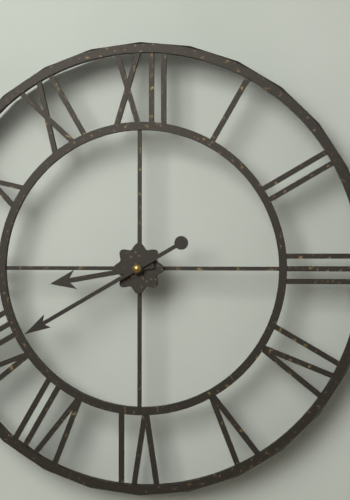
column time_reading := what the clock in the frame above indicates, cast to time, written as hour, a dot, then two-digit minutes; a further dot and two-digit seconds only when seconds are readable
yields 8.40
